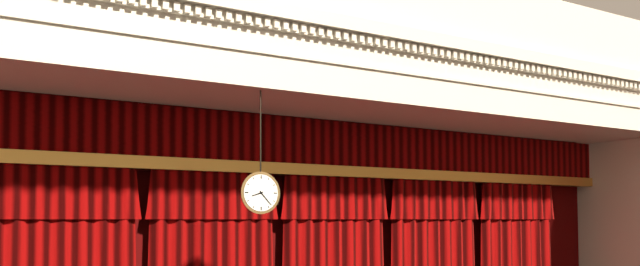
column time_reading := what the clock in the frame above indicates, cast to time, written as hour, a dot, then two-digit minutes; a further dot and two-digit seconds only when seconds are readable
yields 8.23
